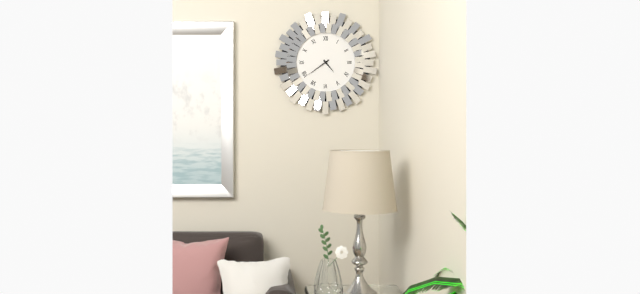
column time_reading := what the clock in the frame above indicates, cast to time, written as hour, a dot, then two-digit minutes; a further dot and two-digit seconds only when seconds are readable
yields 4.39
